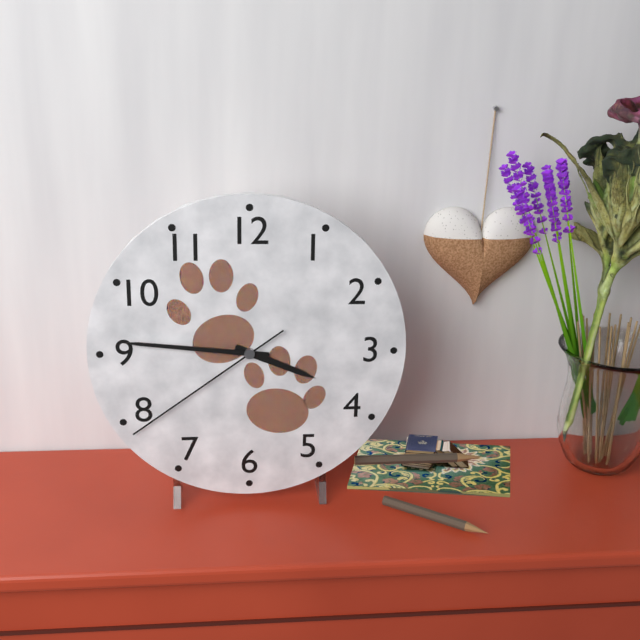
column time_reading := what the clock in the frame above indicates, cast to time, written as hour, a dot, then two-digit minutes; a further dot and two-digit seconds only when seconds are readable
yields 3.46.39
